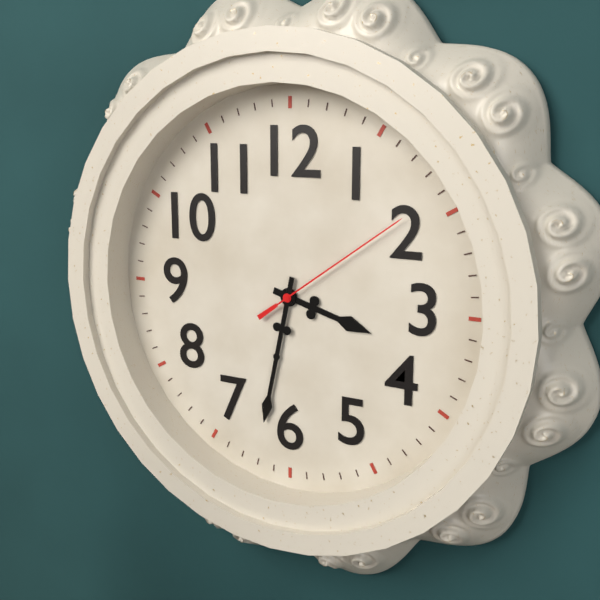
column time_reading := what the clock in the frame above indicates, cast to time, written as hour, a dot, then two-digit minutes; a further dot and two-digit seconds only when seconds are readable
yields 3.32.09
